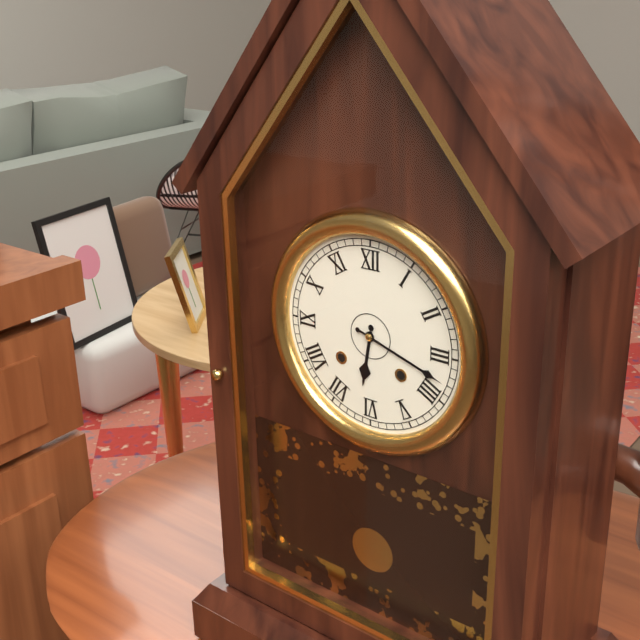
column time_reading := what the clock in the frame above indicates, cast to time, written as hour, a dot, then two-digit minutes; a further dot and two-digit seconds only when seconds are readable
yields 6.18
